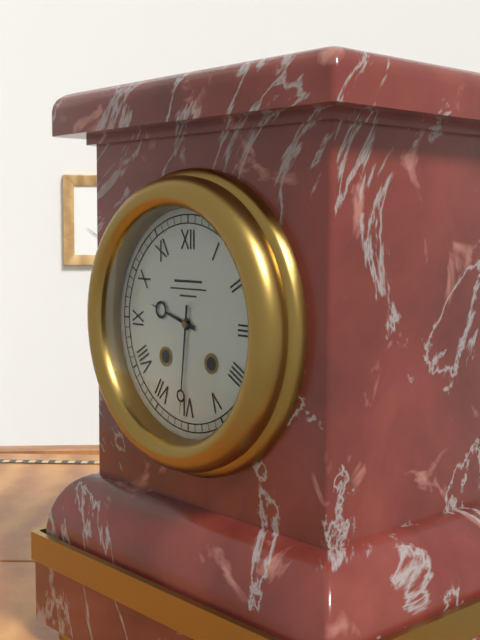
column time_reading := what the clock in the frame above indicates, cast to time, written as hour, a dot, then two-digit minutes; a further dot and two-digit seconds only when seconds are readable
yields 9.31
